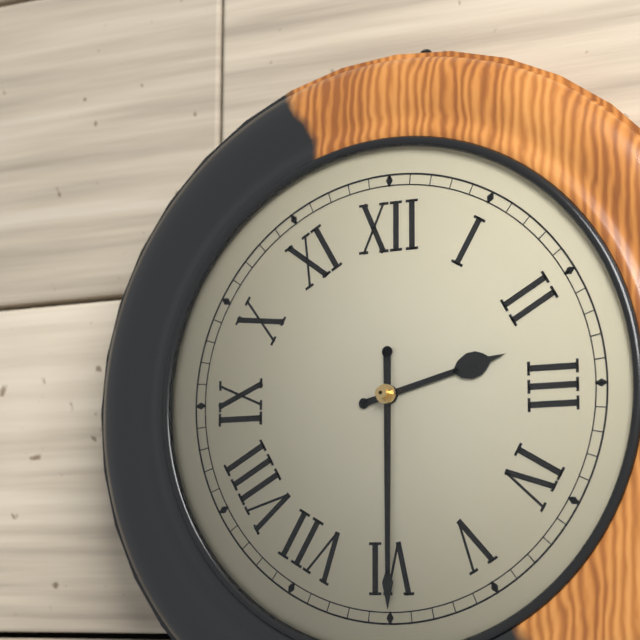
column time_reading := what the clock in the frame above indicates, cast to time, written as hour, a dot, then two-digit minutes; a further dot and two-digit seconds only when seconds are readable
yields 2.30
